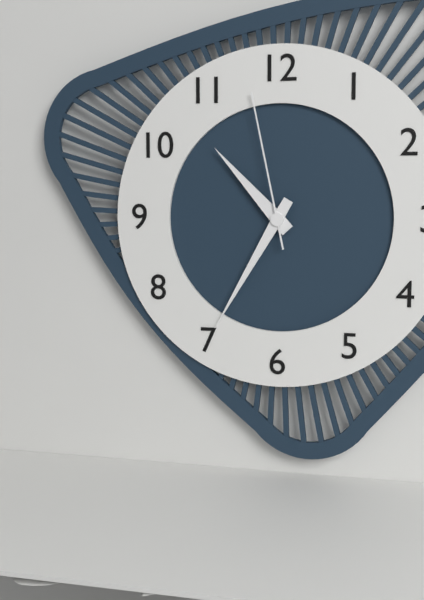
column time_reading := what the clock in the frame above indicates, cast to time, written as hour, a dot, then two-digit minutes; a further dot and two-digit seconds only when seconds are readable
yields 10.35.58
